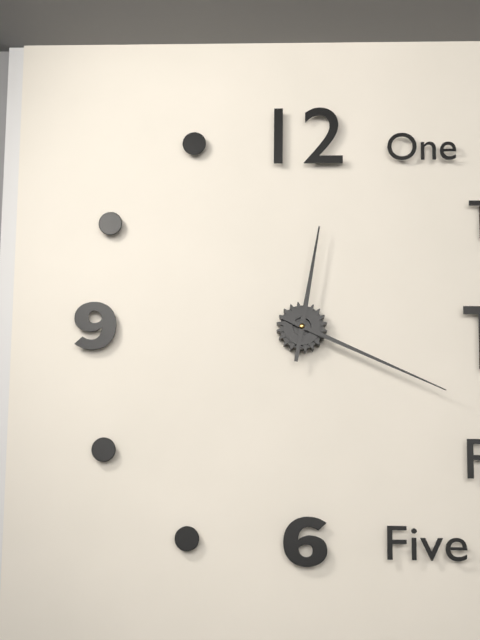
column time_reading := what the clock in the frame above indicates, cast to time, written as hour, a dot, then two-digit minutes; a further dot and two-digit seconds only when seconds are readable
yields 12.19
